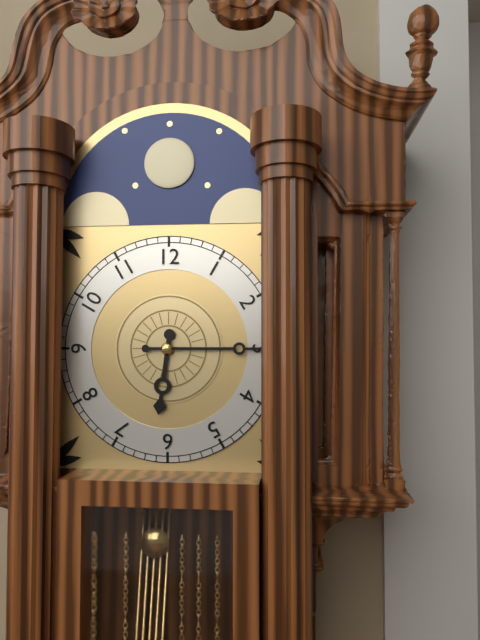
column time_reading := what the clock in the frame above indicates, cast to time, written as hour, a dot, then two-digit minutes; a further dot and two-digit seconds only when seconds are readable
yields 6.15
